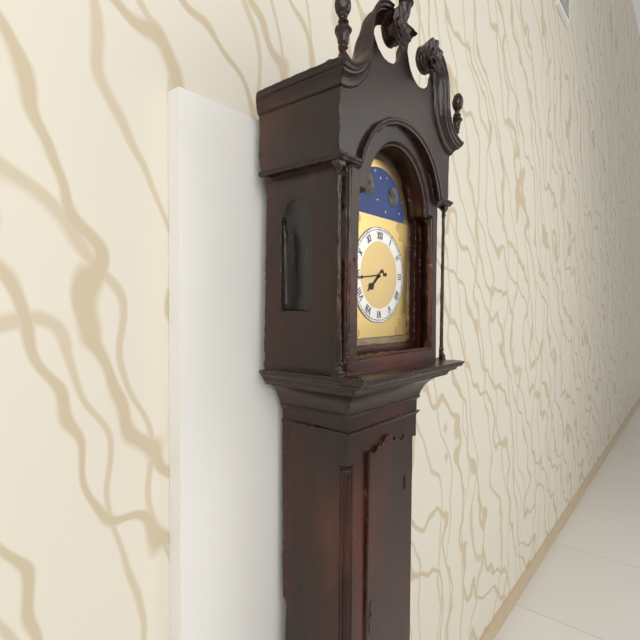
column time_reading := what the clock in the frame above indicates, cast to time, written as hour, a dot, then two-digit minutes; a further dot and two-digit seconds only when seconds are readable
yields 7.44
